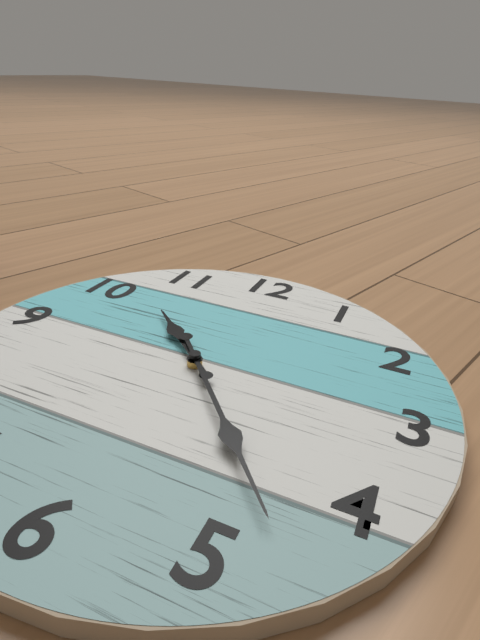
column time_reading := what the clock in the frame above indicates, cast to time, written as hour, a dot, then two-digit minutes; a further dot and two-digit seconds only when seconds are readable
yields 10.23
